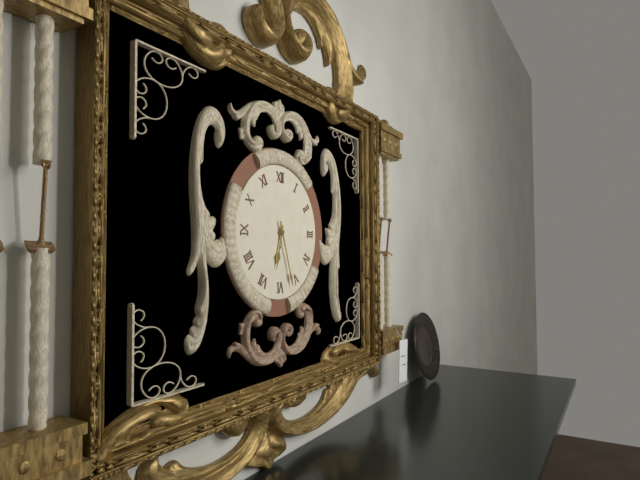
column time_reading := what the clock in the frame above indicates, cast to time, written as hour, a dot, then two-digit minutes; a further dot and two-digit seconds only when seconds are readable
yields 6.27
